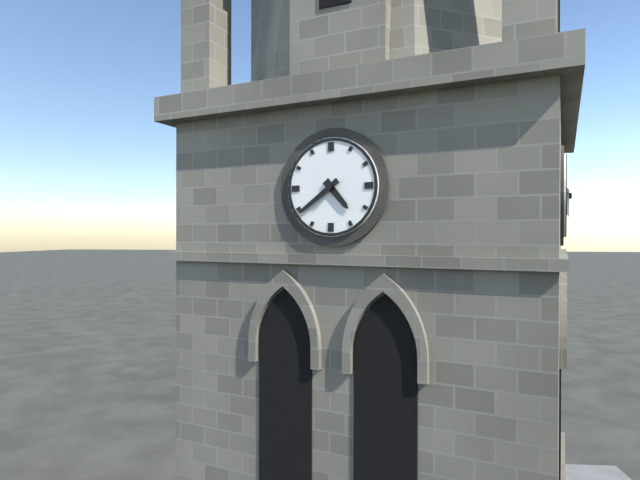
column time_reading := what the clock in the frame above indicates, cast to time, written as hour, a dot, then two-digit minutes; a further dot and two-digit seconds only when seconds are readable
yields 4.39
